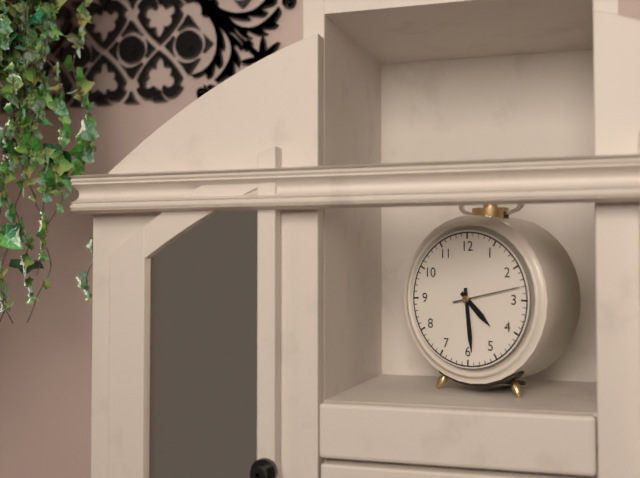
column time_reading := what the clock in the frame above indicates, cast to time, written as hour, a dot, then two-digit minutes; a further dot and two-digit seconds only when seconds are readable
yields 4.29.13
